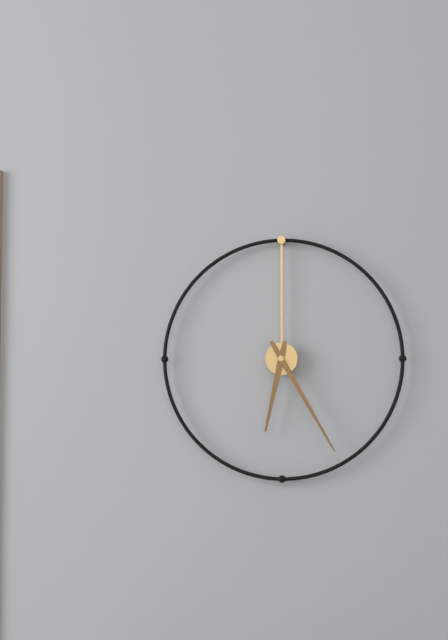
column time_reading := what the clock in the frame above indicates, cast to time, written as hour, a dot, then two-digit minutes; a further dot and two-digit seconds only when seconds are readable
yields 6.25
